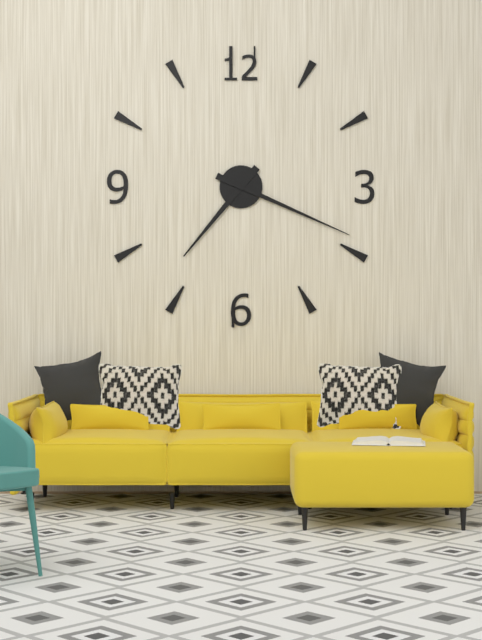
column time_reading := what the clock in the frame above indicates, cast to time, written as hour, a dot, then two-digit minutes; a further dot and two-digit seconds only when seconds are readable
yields 7.19
